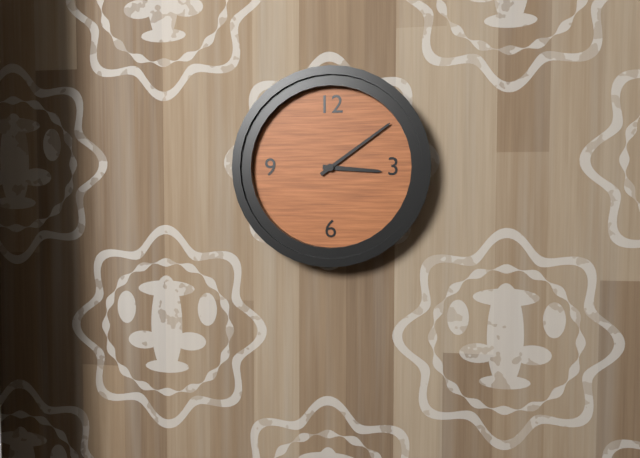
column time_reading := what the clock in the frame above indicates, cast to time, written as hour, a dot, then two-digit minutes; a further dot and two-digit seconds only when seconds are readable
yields 3.09
